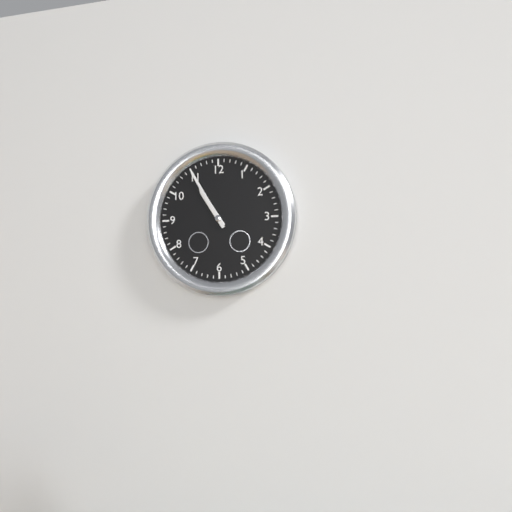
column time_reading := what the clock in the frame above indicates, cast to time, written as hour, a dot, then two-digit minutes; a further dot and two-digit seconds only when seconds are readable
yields 10.55
